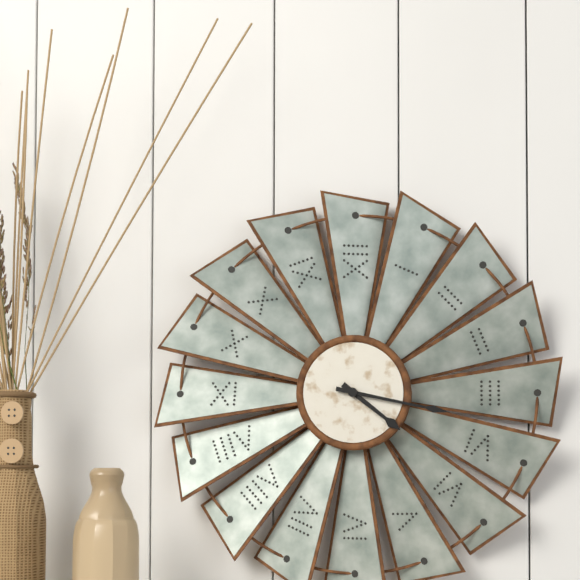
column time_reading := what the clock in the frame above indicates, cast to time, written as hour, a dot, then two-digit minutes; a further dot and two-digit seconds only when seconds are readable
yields 4.17
